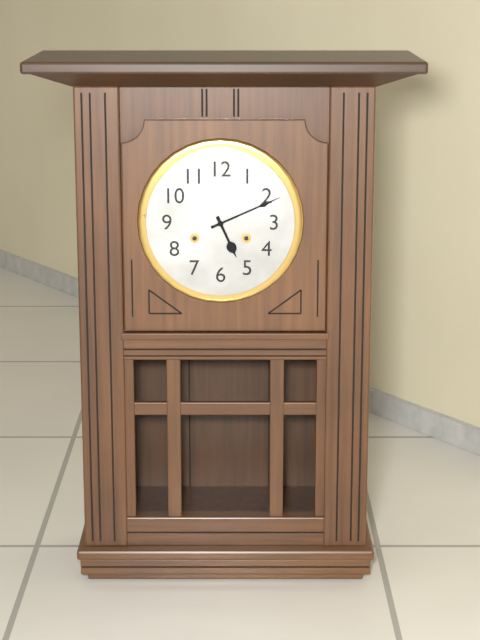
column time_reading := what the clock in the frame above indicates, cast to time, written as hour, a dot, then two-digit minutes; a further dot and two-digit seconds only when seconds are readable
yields 5.11
